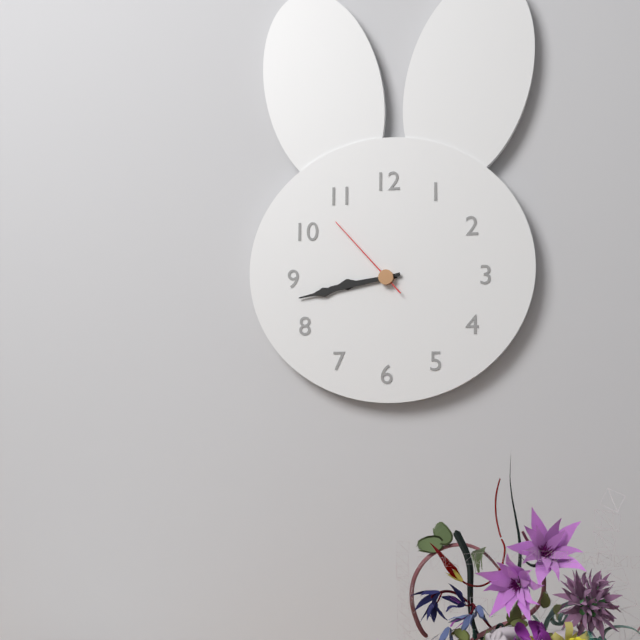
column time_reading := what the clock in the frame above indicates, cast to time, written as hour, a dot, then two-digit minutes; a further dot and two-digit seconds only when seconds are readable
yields 8.43.53
